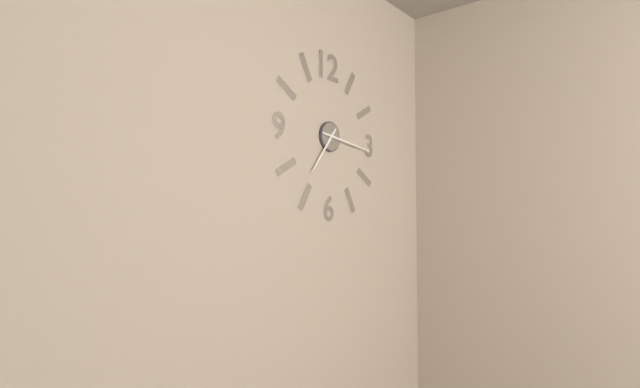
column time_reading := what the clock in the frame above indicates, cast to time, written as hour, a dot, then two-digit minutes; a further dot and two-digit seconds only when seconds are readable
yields 7.16
